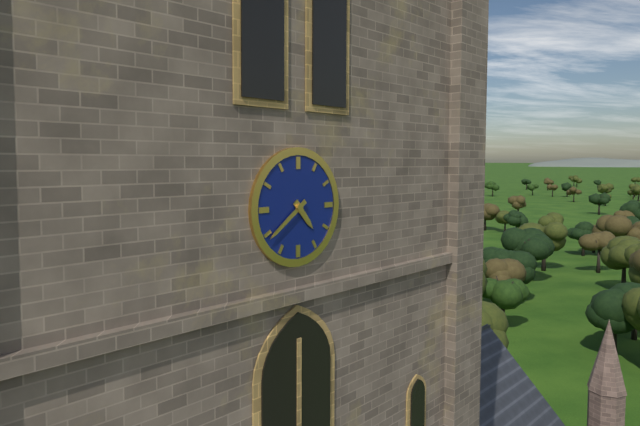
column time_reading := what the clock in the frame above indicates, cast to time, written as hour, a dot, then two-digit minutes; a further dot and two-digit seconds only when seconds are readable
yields 4.39
